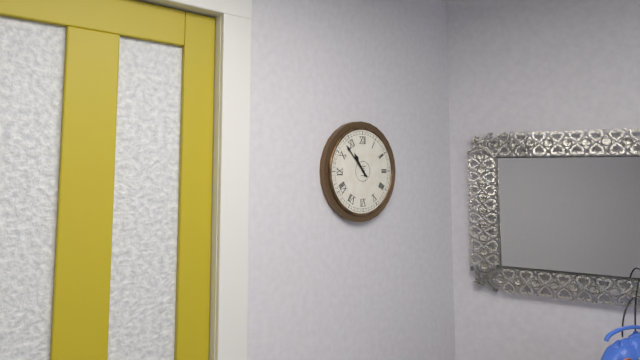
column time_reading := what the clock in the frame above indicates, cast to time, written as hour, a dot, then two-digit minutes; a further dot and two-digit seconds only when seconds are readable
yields 10.53
